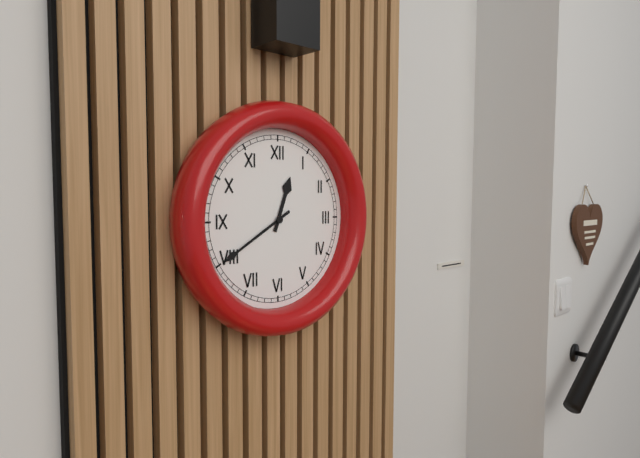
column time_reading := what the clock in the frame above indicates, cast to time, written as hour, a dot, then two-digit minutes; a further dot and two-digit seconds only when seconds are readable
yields 12.40
